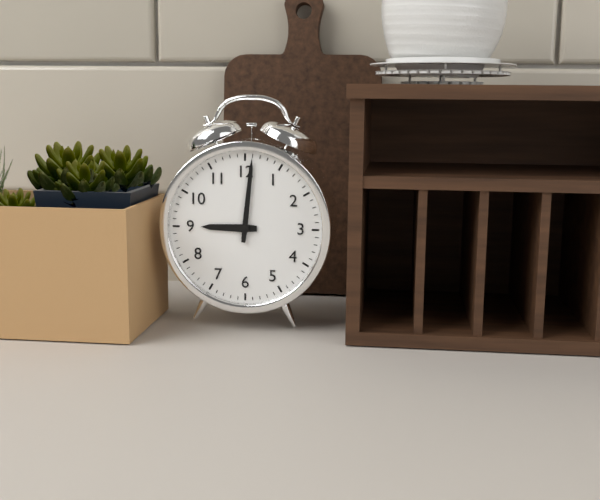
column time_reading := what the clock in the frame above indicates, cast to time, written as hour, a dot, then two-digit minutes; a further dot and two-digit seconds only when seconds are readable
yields 9.01
